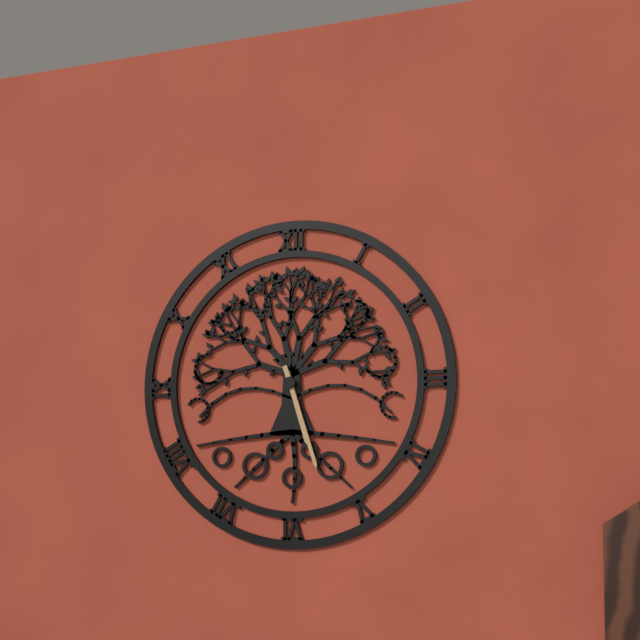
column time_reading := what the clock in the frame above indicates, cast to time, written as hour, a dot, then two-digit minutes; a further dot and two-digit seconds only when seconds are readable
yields 5.27
